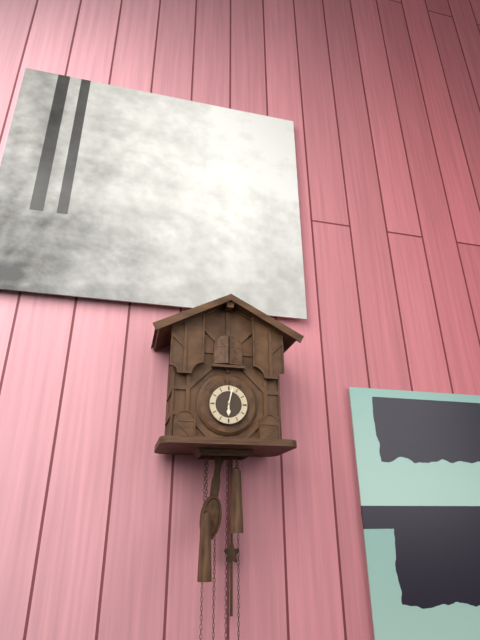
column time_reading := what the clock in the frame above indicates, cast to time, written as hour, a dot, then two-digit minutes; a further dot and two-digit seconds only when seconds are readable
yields 6.02
